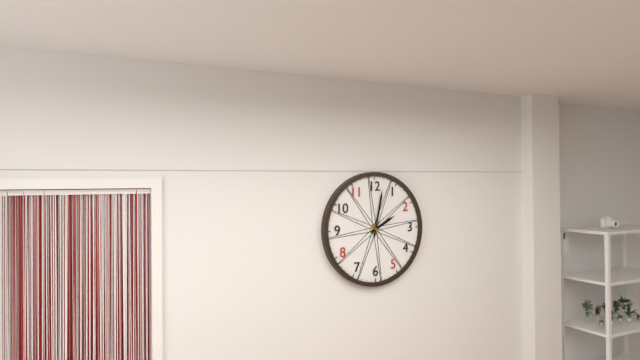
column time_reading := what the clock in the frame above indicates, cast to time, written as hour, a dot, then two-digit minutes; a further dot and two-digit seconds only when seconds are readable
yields 2.02
